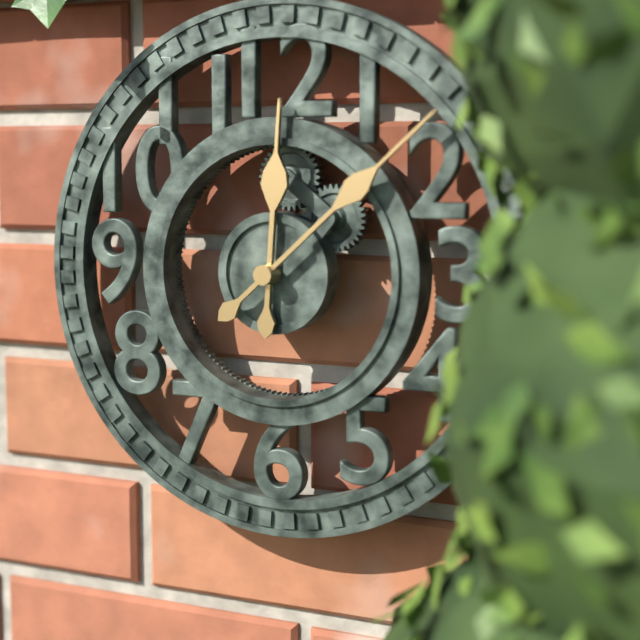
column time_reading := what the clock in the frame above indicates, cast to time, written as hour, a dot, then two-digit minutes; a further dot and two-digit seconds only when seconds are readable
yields 12.08
